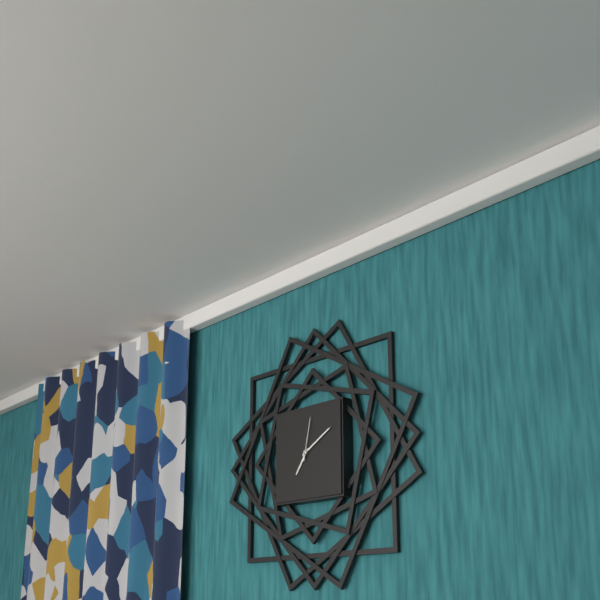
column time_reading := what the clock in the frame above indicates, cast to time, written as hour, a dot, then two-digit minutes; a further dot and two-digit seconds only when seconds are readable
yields 7.10
